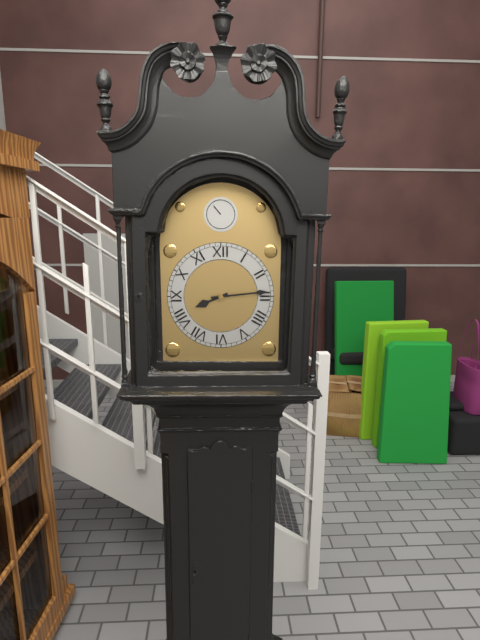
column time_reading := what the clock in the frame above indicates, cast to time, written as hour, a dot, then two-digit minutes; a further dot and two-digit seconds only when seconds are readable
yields 8.14
